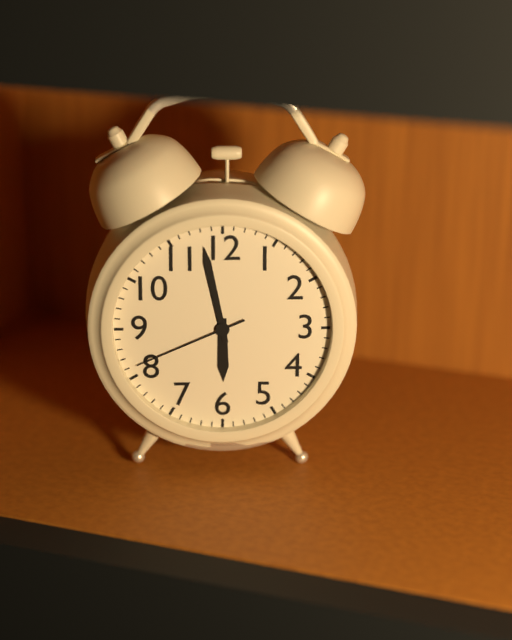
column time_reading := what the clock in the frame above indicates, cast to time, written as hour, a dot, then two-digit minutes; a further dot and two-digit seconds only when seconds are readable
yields 5.58.41
